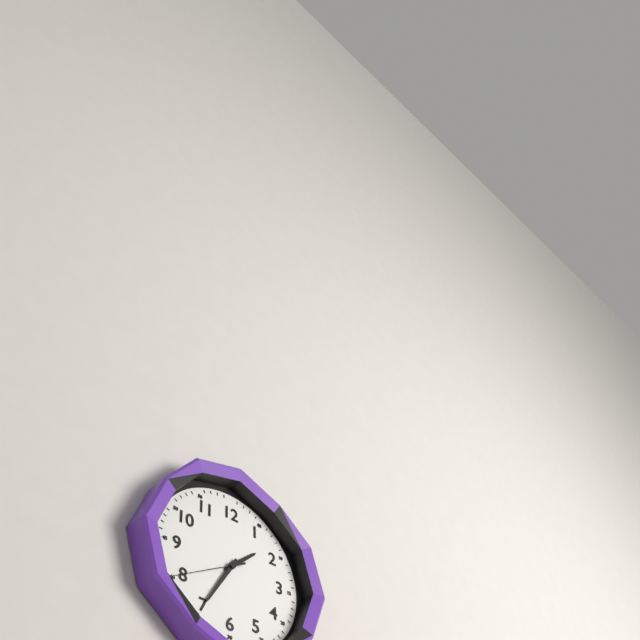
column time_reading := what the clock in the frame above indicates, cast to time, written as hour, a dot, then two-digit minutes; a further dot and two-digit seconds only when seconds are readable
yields 1.35.40
